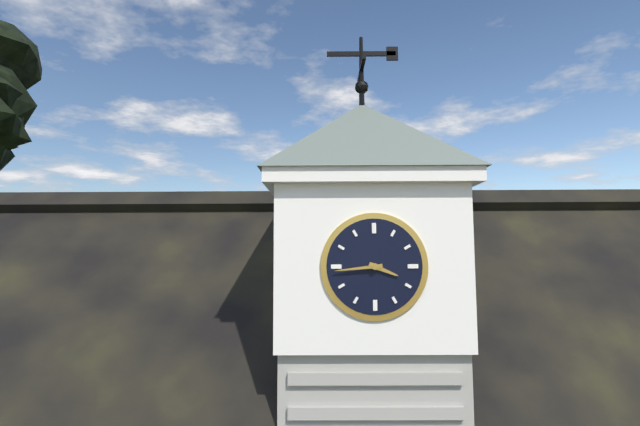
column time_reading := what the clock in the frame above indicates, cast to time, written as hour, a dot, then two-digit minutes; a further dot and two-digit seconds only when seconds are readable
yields 3.44
